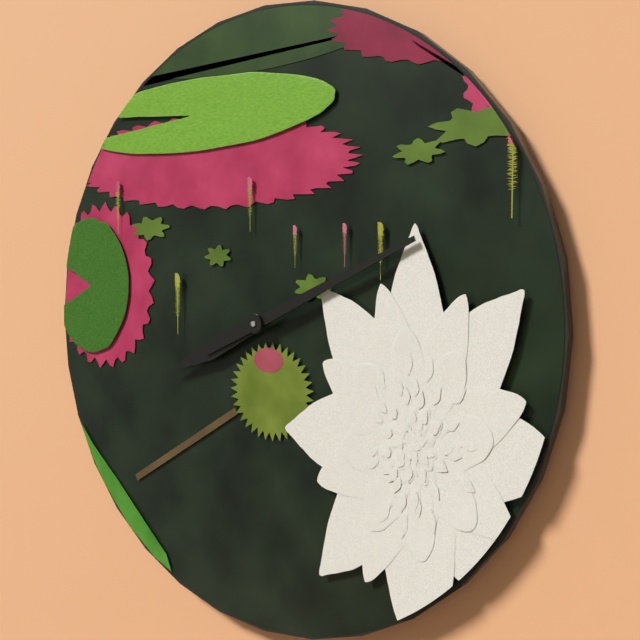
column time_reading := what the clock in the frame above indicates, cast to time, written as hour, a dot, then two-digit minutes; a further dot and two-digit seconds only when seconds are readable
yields 8.11
